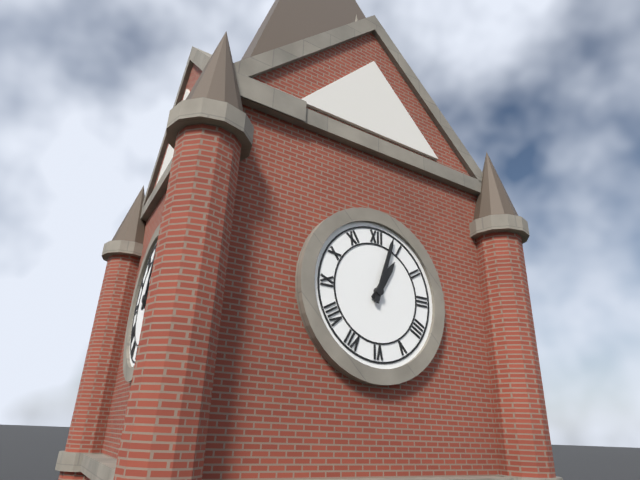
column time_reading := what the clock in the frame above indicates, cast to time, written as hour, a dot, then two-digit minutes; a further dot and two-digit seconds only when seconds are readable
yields 1.03
